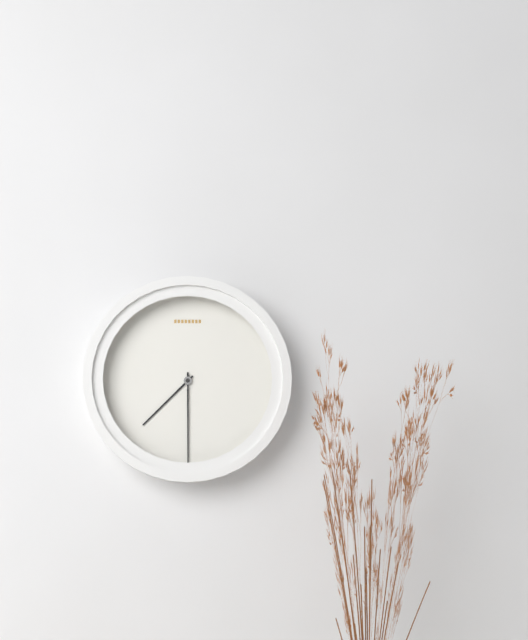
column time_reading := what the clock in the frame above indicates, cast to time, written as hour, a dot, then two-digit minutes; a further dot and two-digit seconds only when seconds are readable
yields 7.30
